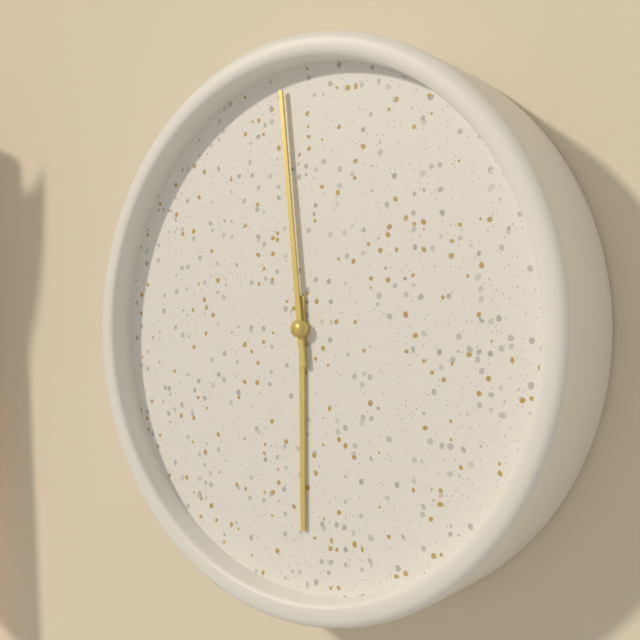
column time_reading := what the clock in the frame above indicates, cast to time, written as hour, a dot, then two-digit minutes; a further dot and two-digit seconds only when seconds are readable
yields 5.59
